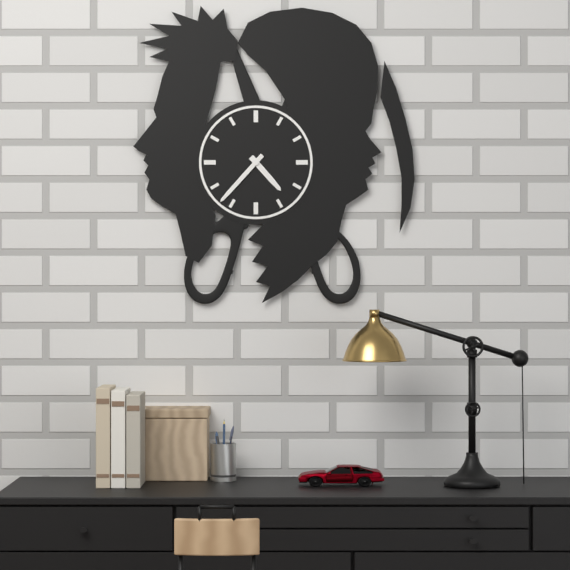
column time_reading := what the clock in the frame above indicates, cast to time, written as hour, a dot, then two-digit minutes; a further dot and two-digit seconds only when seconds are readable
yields 4.37
